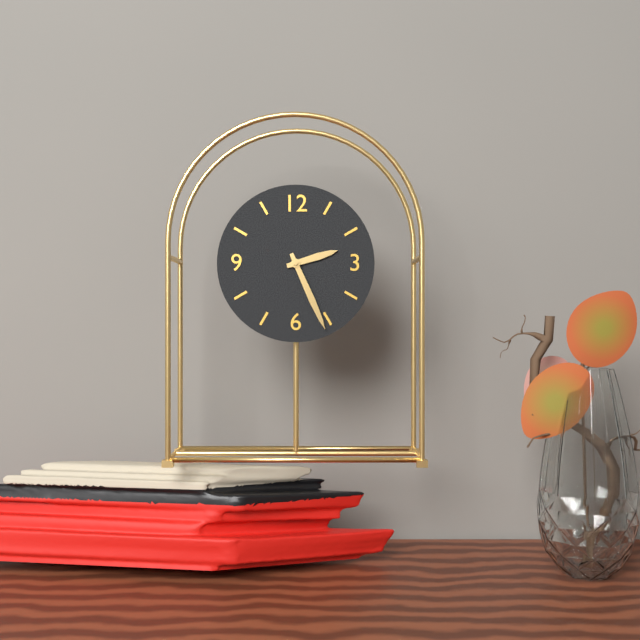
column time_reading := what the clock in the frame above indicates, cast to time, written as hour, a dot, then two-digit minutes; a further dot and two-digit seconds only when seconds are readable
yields 2.26
